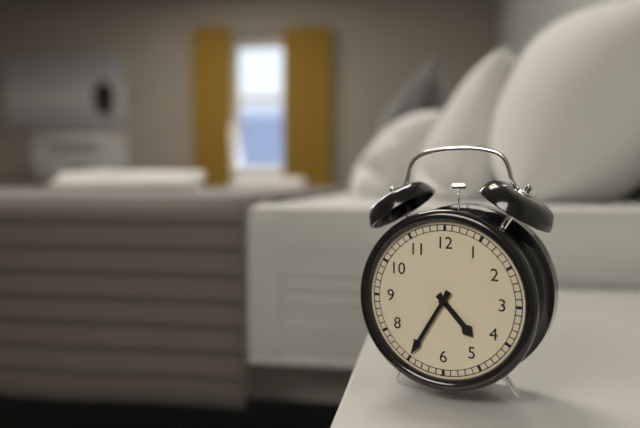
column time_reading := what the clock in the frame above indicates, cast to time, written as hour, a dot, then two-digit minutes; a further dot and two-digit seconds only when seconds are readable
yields 4.35
